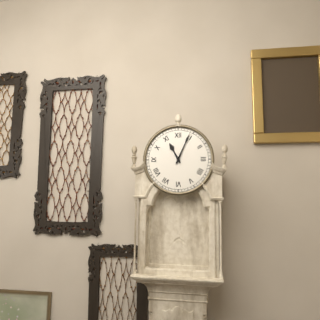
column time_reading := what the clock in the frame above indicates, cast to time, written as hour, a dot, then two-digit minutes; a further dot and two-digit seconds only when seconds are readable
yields 11.04
